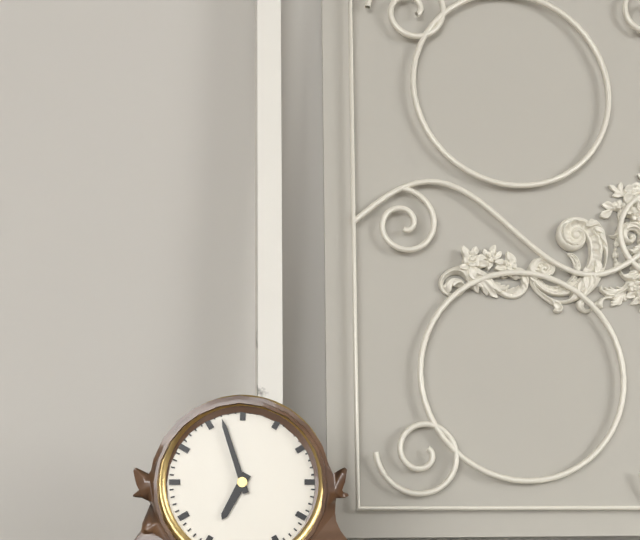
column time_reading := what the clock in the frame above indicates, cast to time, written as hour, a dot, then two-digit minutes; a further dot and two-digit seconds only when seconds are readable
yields 6.57
